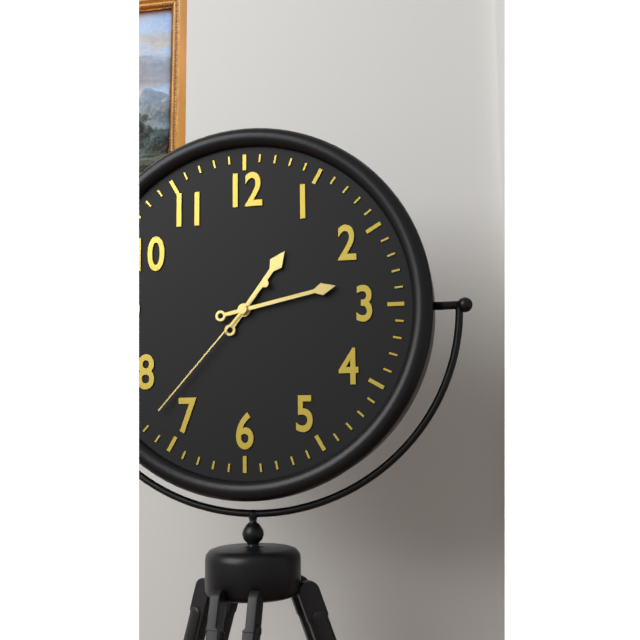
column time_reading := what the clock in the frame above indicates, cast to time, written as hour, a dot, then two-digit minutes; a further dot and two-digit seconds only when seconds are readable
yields 1.13.37
